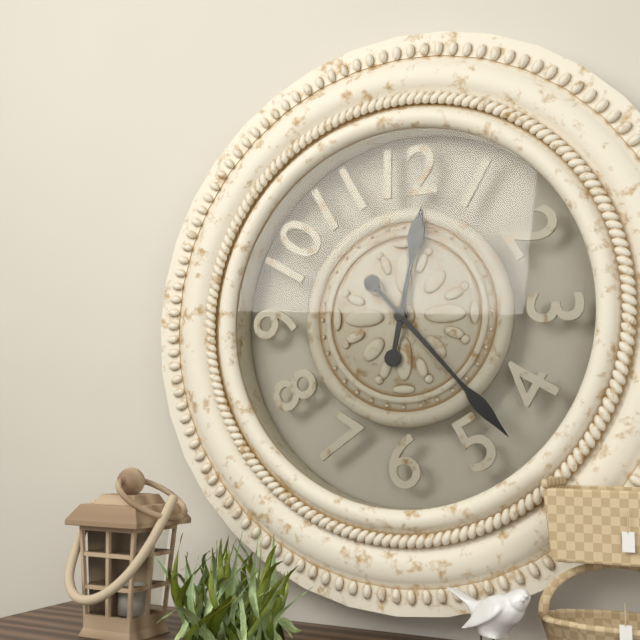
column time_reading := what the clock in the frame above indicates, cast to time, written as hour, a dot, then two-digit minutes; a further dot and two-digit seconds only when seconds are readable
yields 12.23
